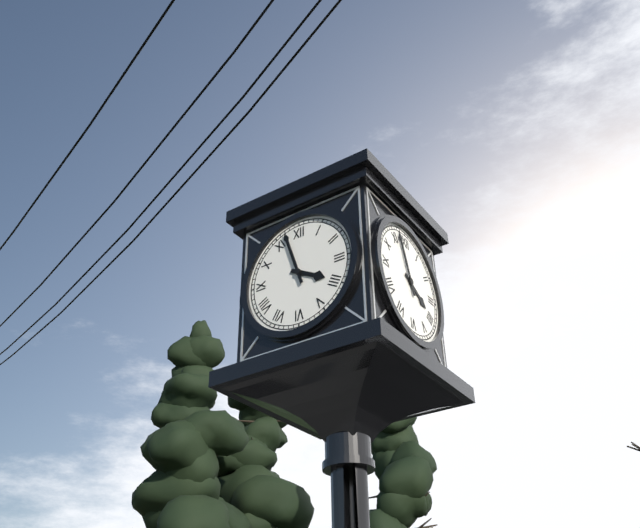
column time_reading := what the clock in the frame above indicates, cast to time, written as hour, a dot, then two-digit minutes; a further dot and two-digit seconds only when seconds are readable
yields 3.57
